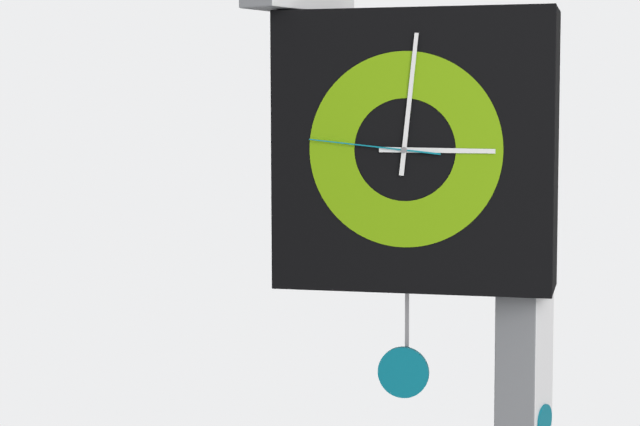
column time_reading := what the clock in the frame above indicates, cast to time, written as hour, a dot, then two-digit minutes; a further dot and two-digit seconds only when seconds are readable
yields 3.01.46
